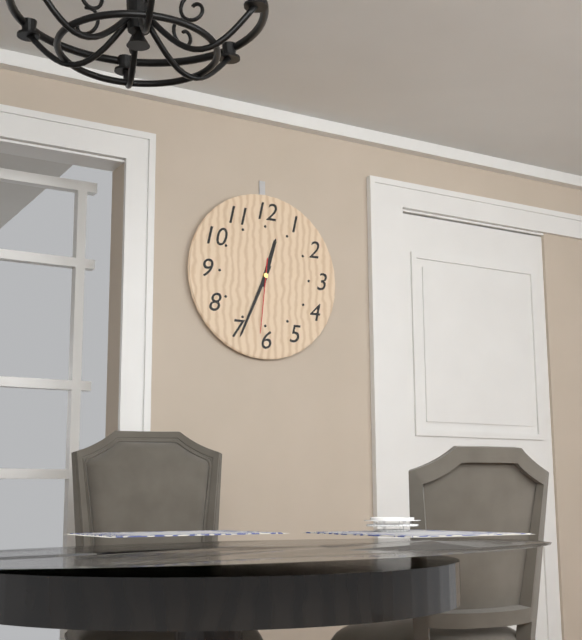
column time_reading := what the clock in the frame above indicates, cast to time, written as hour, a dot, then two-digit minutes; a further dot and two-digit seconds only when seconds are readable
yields 12.34.31
